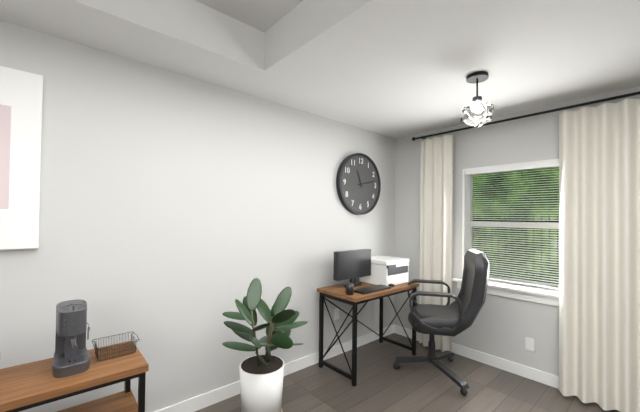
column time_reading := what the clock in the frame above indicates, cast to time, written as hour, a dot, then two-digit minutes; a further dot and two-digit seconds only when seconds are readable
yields 11.13
